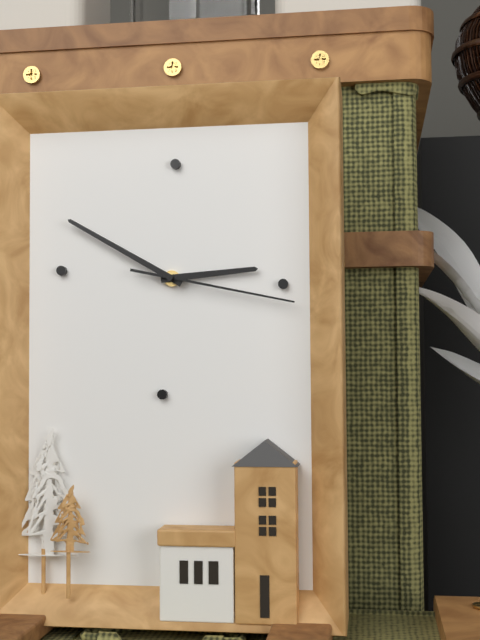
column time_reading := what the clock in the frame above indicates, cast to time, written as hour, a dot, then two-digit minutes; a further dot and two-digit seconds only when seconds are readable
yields 2.50.17
